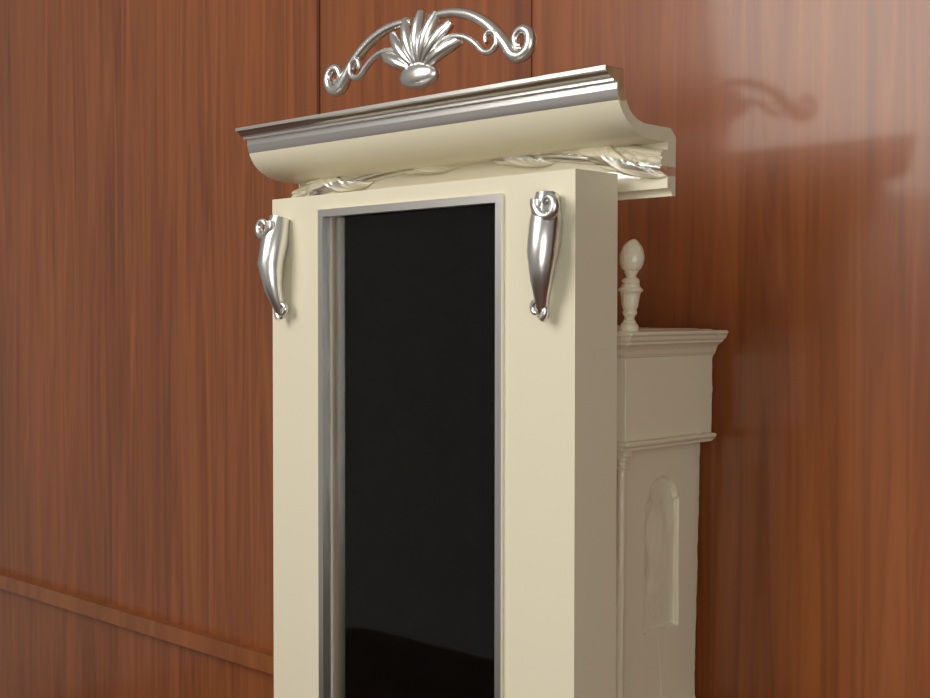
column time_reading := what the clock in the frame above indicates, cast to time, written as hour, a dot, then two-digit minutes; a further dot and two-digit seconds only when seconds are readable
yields 2.29
